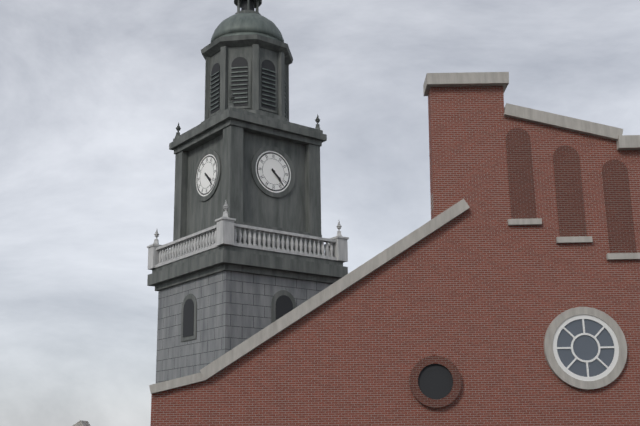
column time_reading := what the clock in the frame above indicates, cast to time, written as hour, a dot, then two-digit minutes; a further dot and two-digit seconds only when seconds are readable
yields 4.23
